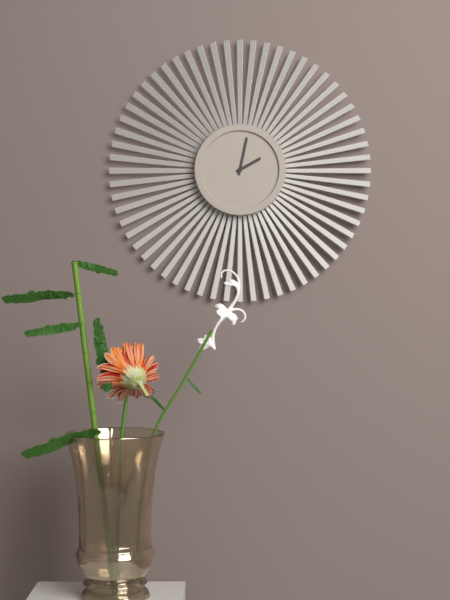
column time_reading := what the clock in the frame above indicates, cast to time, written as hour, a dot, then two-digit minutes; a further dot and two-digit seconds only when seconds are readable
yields 2.02
